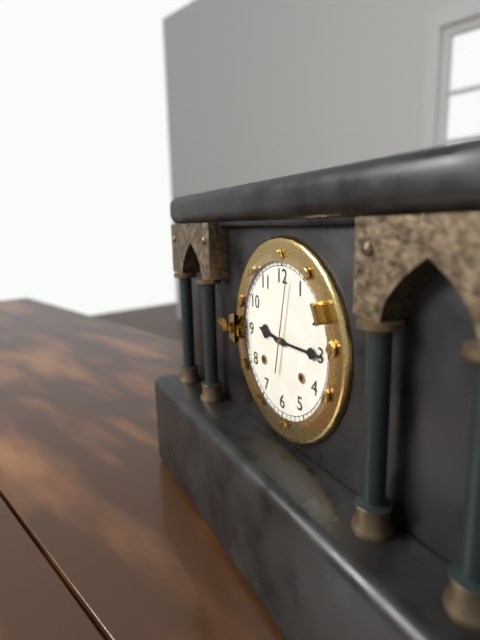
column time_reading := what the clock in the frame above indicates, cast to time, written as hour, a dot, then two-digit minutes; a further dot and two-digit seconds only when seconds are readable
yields 9.15.02
